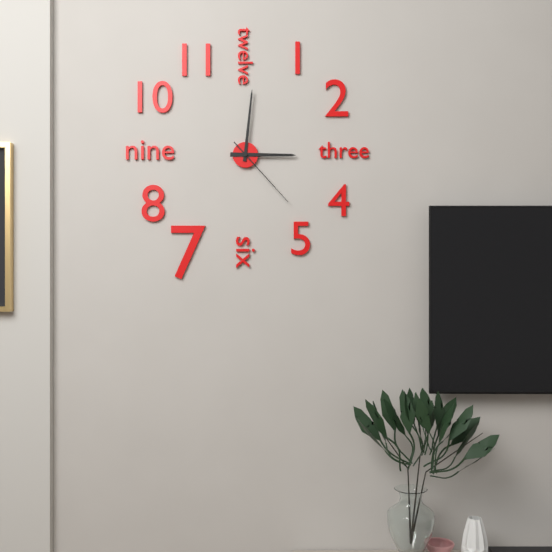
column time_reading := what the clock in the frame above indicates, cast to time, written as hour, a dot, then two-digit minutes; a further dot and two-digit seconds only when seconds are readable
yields 3.01.23
